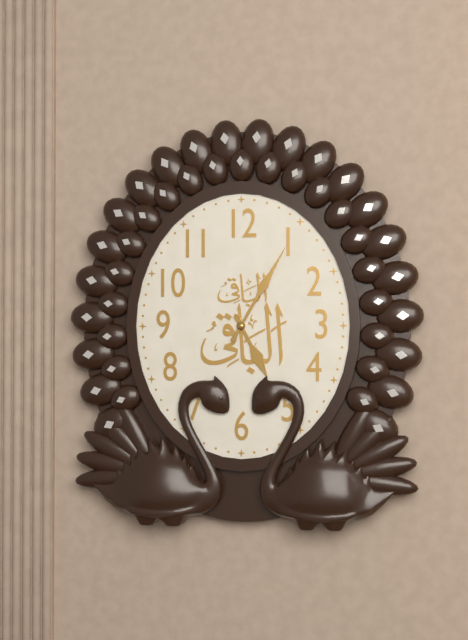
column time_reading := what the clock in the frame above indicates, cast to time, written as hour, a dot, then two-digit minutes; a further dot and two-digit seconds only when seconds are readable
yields 5.05
